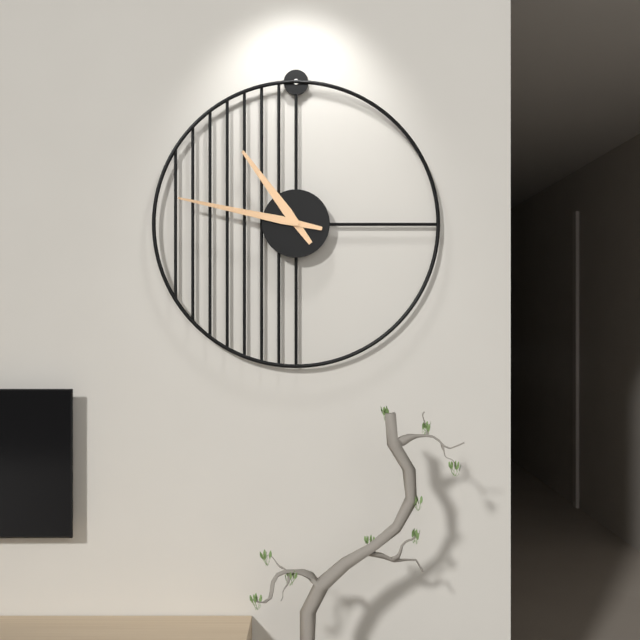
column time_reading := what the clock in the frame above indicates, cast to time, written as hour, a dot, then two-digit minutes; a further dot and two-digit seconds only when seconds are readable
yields 10.47
